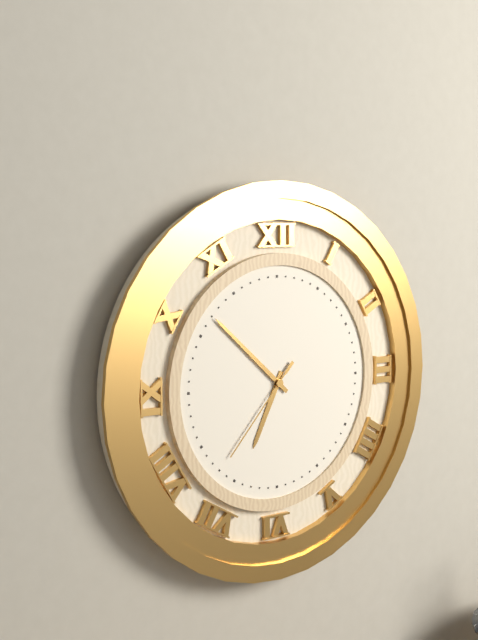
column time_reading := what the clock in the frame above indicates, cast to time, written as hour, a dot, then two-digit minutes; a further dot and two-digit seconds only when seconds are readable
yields 6.52.37
